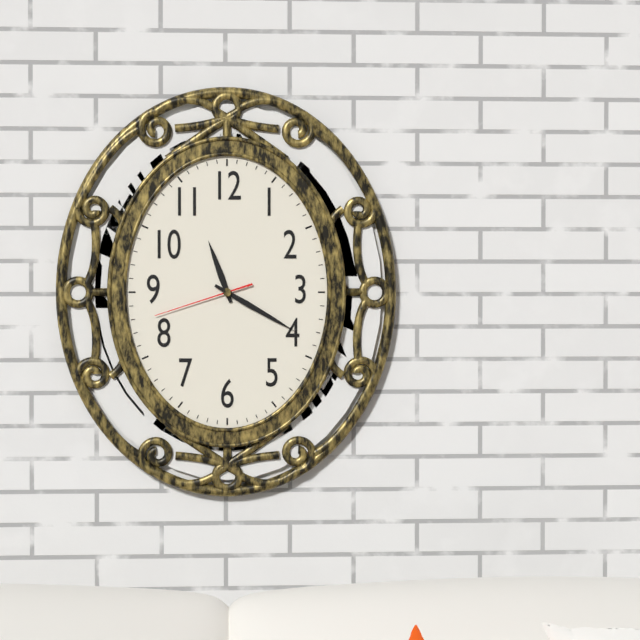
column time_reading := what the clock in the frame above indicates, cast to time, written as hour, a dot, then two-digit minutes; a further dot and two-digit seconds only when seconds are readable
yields 11.20.42
